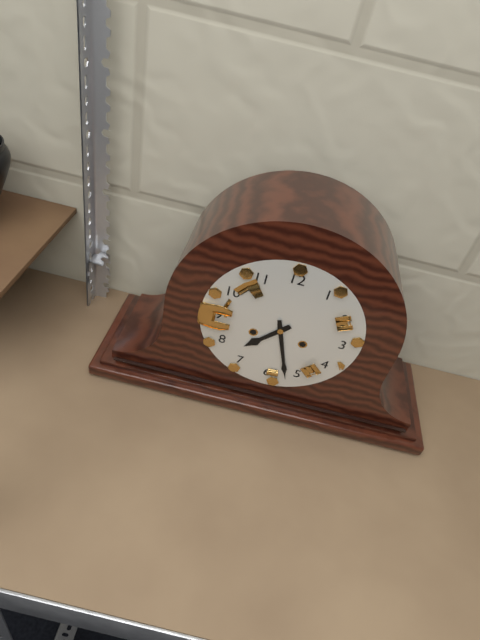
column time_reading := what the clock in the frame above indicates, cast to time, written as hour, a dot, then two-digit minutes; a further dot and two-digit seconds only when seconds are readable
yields 7.27
